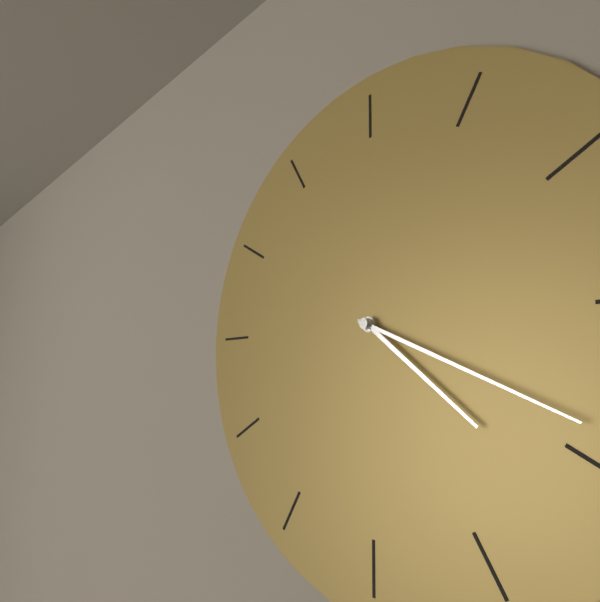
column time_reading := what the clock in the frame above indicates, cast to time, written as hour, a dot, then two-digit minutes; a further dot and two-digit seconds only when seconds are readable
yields 4.19
